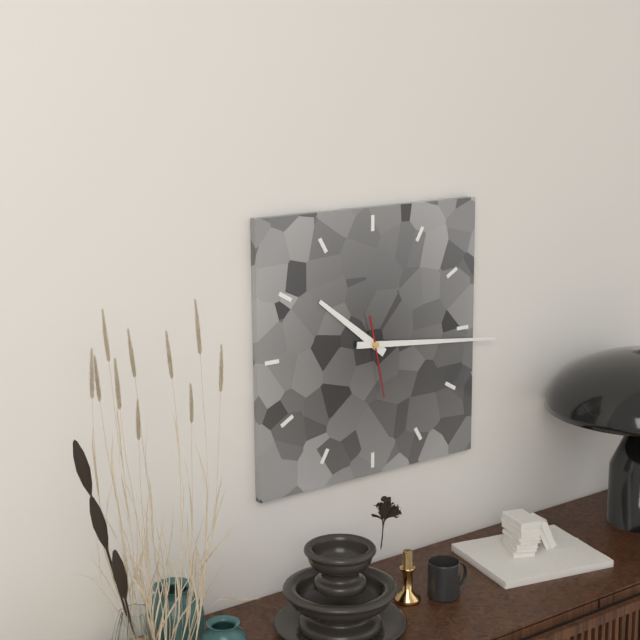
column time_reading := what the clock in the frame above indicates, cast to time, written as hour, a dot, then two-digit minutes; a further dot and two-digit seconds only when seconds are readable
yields 10.16.28
